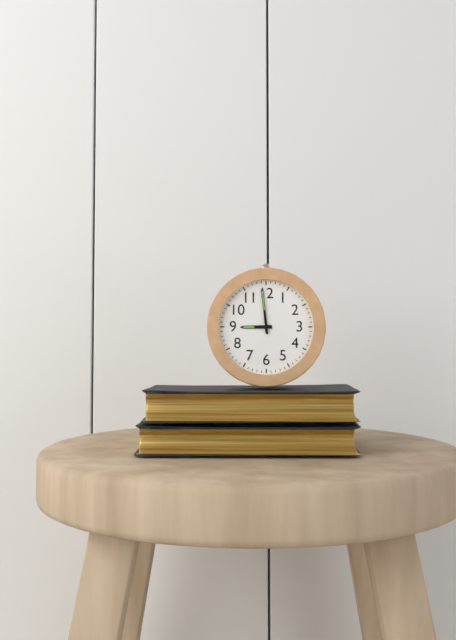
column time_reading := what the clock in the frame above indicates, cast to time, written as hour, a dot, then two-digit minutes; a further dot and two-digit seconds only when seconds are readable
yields 8.59
